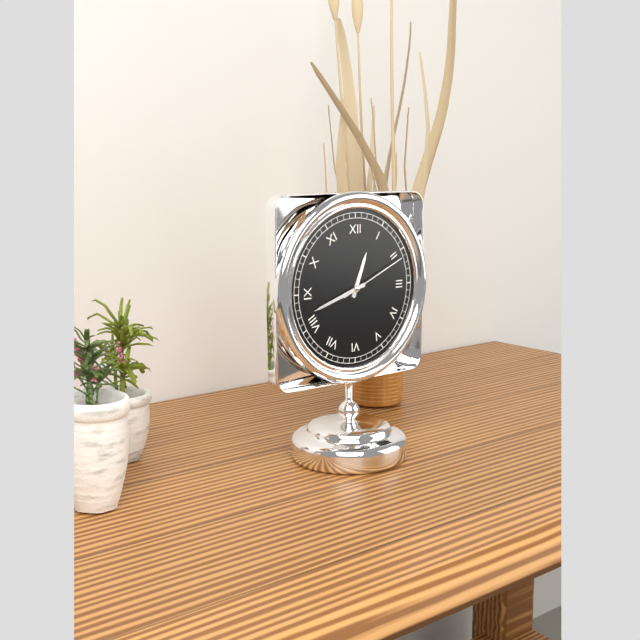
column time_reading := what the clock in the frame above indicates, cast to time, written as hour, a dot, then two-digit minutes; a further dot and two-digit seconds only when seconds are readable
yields 12.42.11
